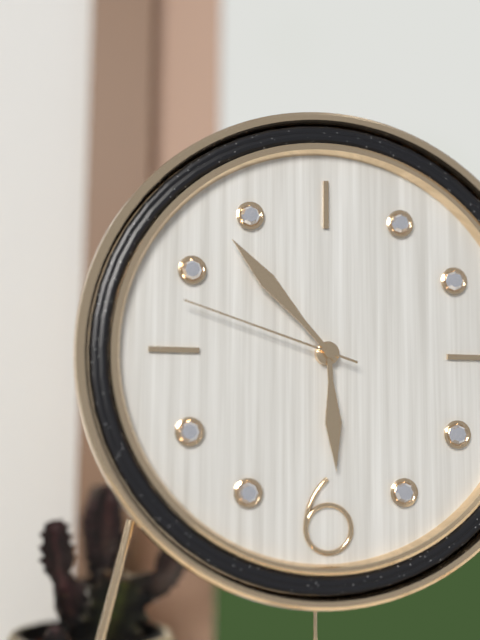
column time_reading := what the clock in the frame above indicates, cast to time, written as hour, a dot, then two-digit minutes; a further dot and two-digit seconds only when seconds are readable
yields 5.53.48
